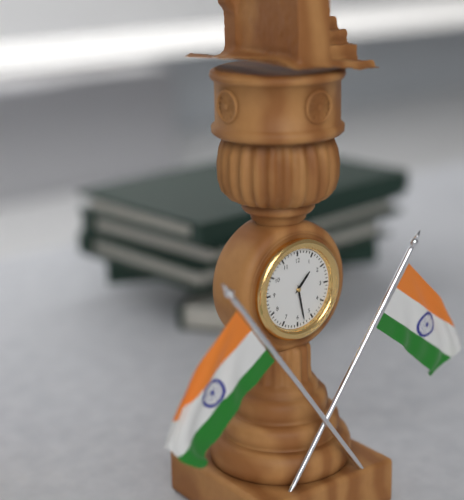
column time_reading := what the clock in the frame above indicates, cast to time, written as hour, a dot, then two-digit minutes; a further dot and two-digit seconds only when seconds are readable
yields 1.28
